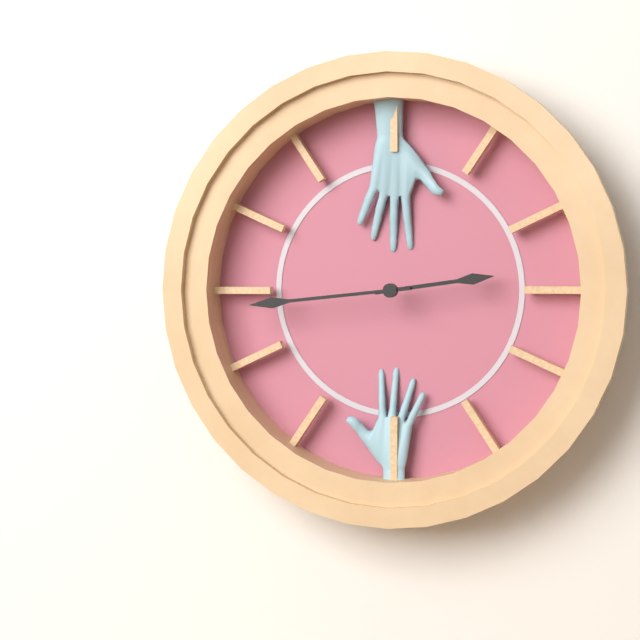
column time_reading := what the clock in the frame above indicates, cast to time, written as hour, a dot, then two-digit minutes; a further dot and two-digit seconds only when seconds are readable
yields 2.44
